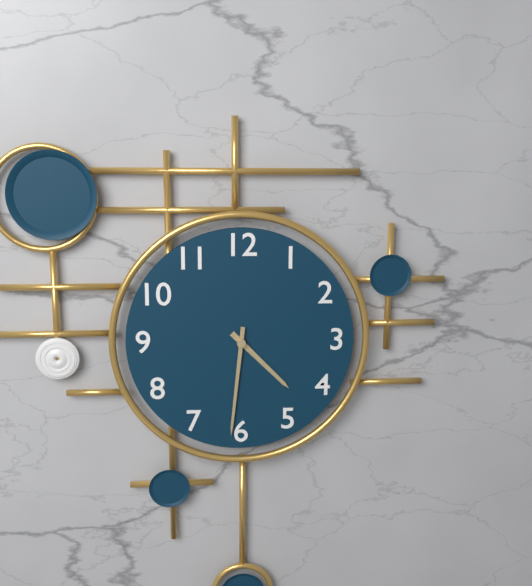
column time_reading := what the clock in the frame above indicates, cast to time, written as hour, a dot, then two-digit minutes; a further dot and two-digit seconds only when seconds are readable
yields 4.31
